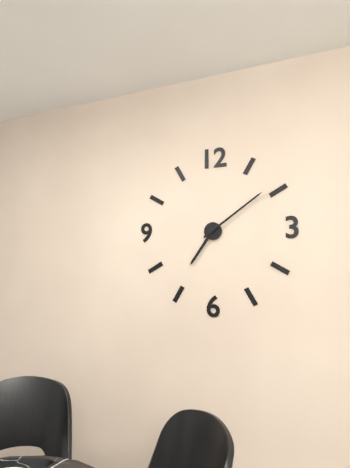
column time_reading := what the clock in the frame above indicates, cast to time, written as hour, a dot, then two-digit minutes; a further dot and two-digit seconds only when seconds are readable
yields 7.09
